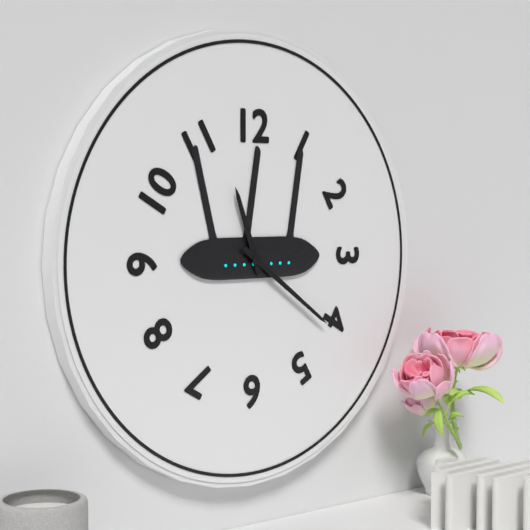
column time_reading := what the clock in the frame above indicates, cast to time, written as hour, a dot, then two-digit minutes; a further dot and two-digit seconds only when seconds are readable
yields 11.21
